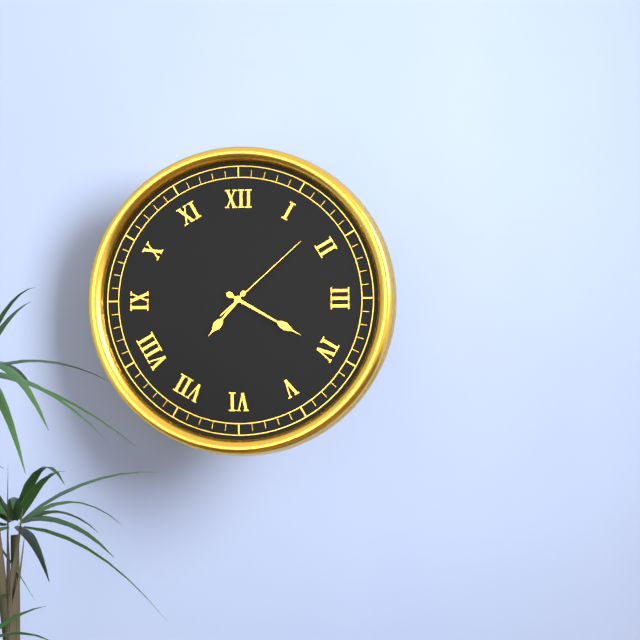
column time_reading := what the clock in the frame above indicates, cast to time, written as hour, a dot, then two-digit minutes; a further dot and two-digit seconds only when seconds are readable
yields 7.20.08
